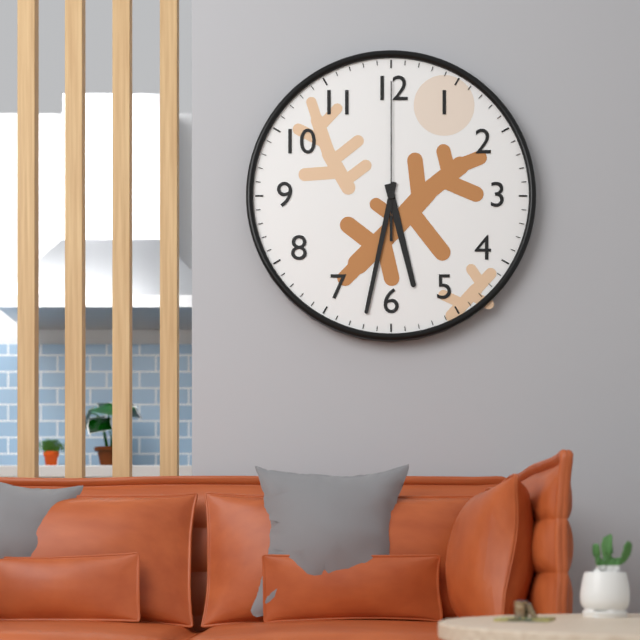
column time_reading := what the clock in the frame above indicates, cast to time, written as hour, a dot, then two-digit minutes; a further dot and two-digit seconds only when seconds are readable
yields 5.32.00
